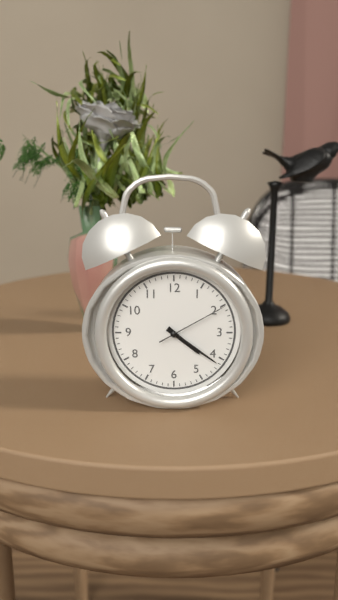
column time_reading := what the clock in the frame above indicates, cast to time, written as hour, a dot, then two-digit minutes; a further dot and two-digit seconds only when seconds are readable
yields 4.21.10
